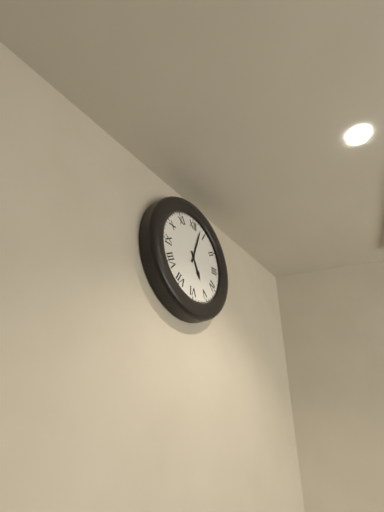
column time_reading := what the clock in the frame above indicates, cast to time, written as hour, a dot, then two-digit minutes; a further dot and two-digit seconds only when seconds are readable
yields 5.03
